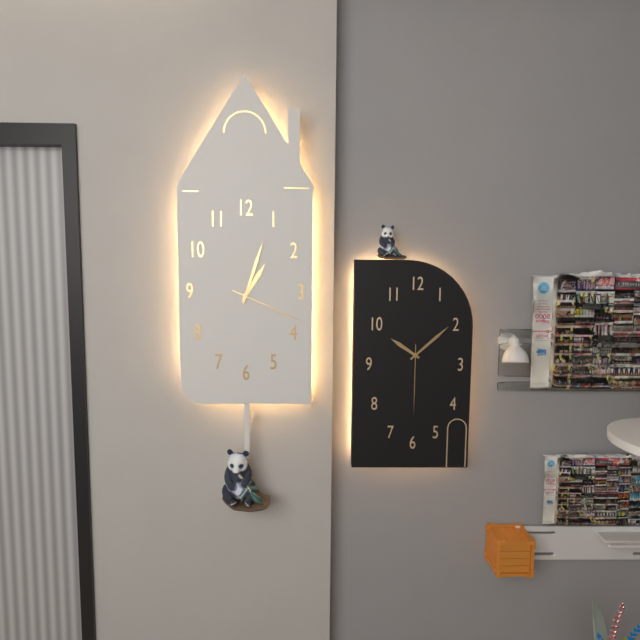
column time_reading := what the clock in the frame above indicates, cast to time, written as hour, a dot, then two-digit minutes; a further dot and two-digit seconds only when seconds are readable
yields 1.03.19
